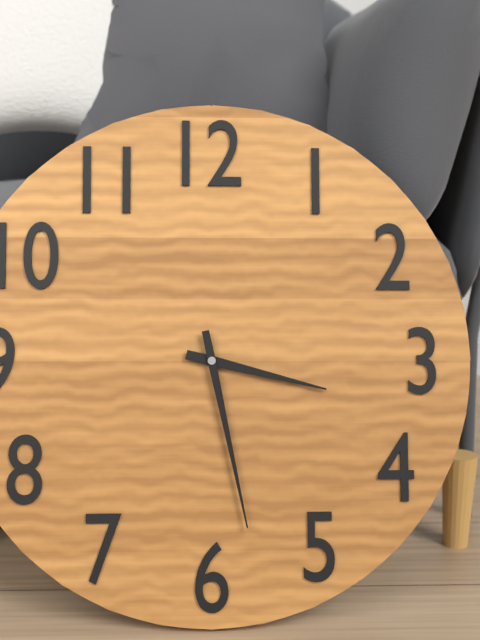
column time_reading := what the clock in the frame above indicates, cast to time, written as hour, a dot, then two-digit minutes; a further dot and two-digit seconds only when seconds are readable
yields 3.28
